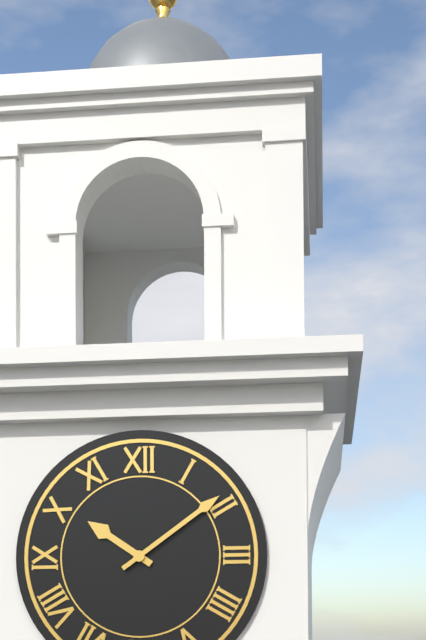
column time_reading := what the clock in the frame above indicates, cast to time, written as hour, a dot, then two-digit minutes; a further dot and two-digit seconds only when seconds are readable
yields 10.09
